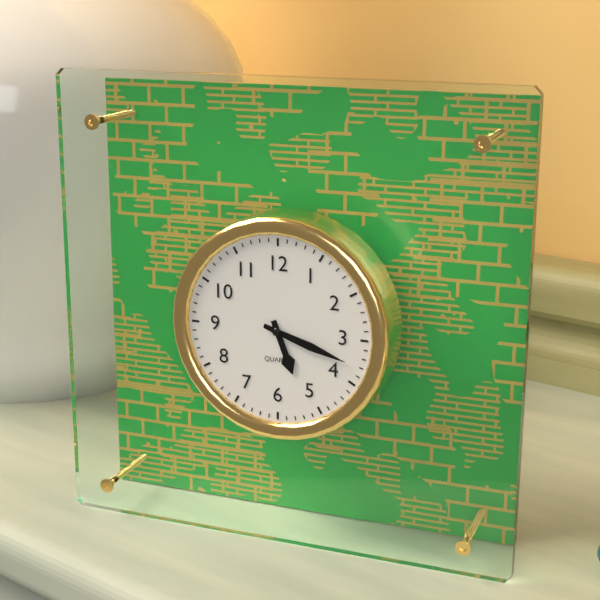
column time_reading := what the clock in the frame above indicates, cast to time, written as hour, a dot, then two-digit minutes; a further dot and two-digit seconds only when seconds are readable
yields 5.18
